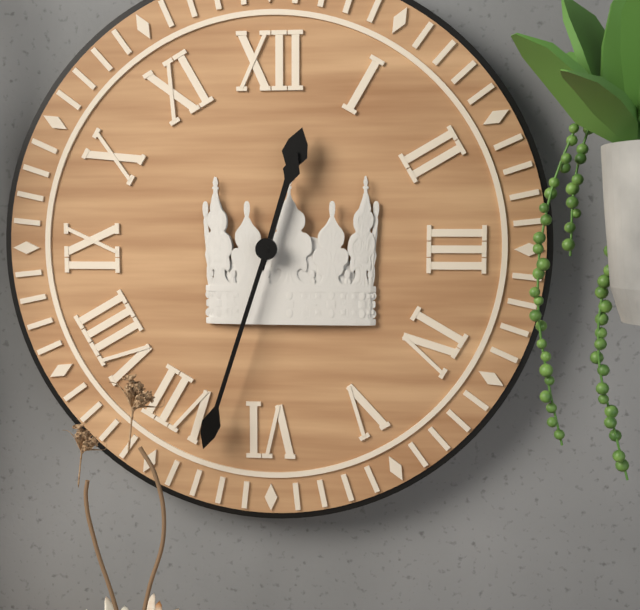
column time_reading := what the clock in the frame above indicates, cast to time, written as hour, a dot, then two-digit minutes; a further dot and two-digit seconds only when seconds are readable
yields 12.33
